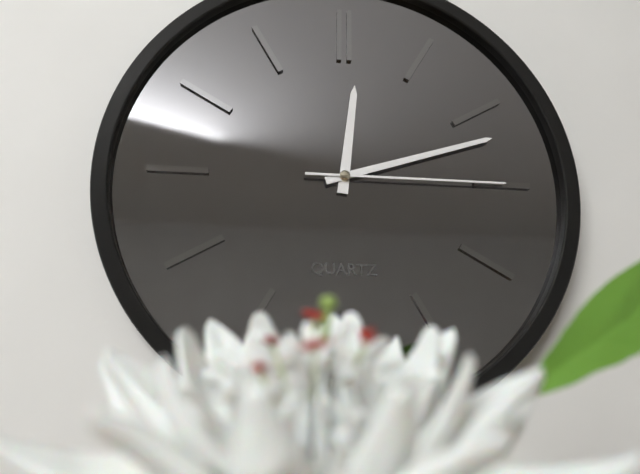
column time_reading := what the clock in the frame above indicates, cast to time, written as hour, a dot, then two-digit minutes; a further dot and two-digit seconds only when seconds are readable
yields 12.12.15
